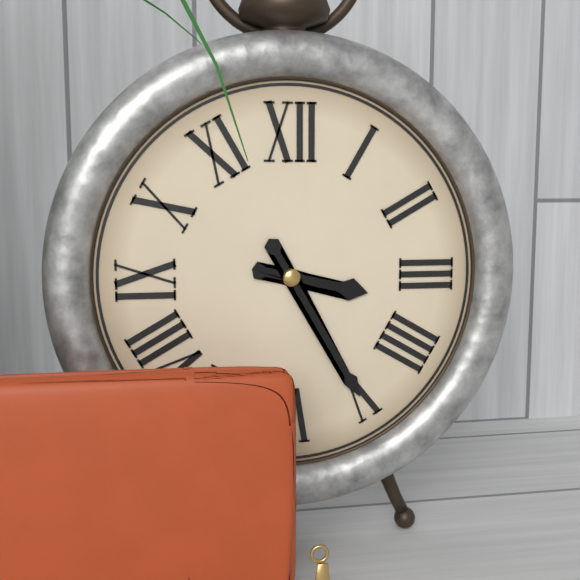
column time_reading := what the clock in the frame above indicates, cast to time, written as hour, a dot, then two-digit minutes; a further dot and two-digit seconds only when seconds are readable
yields 3.25
